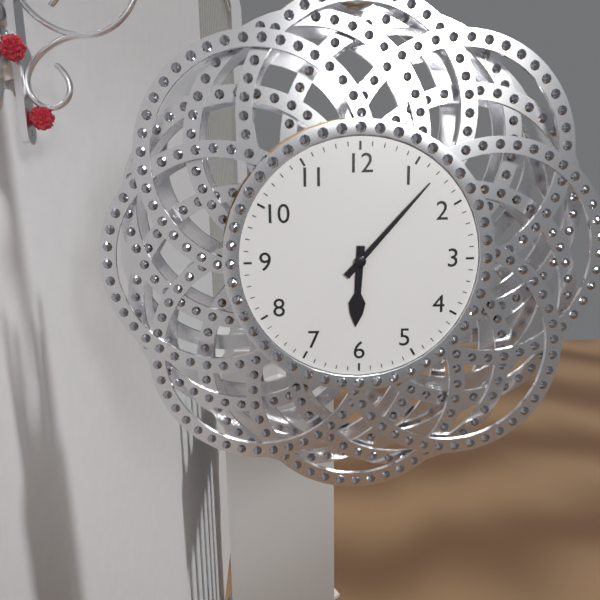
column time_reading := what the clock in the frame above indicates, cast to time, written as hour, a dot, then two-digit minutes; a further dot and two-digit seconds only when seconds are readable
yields 6.07
